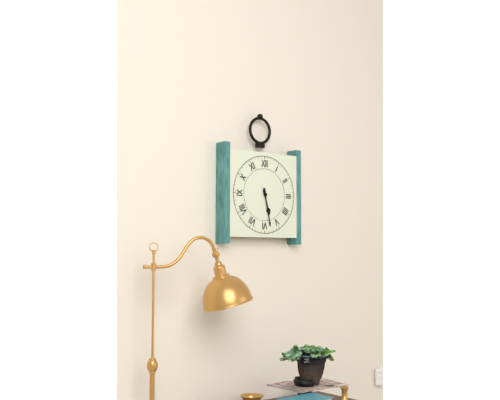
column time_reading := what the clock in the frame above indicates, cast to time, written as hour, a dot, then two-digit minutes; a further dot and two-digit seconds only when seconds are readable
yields 5.28
